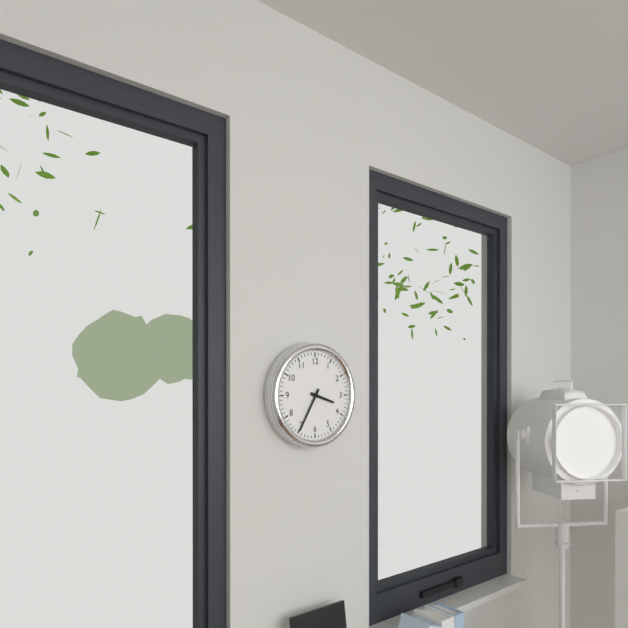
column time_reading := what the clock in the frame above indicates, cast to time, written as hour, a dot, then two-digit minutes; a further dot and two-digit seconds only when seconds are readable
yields 3.35
